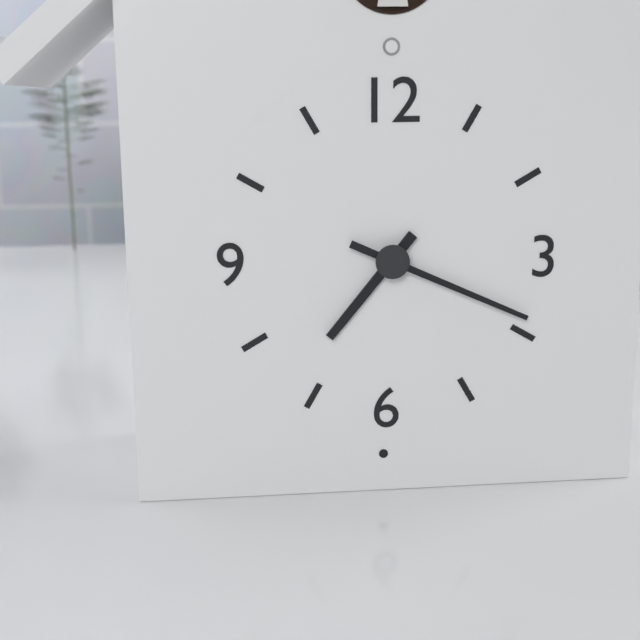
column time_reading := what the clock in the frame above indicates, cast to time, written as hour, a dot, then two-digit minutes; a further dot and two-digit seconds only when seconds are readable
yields 7.19
